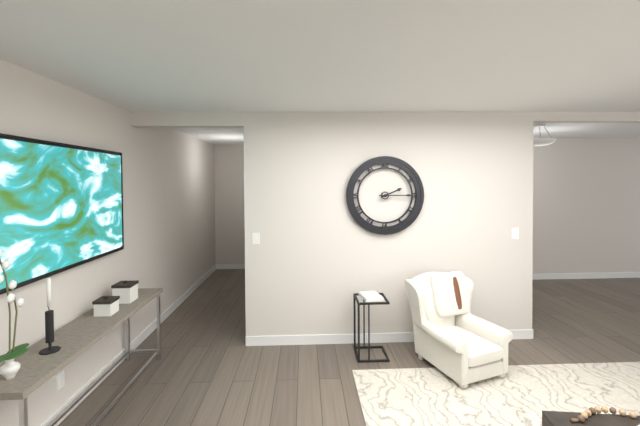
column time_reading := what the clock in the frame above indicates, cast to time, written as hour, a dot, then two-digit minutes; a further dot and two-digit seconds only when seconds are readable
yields 2.15
